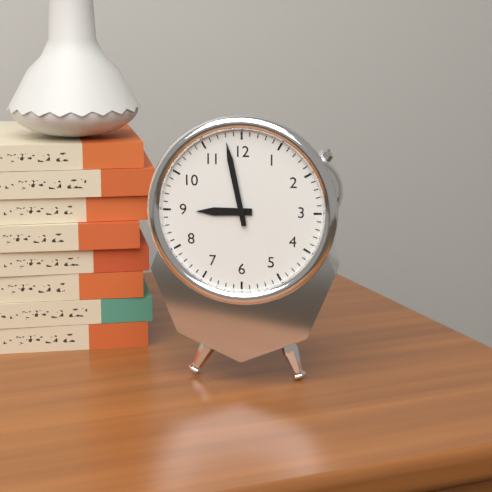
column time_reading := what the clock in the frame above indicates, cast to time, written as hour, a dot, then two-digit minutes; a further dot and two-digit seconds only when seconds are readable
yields 8.58
